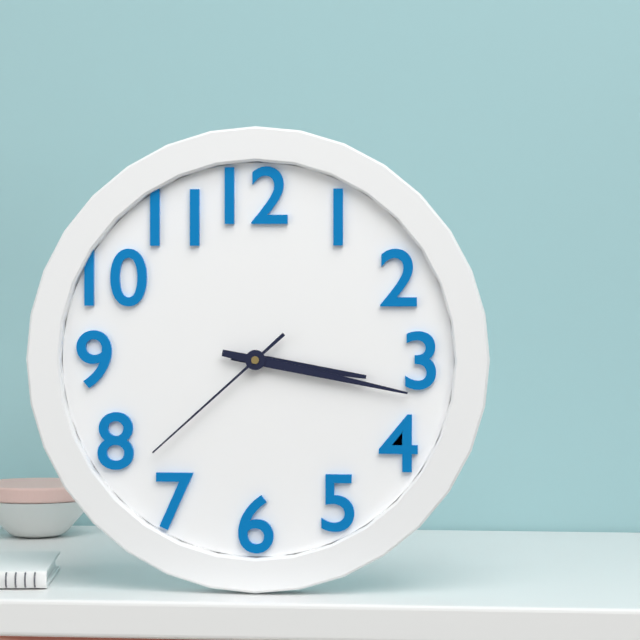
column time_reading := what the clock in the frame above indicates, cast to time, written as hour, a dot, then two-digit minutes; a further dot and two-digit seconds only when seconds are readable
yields 3.17.38
